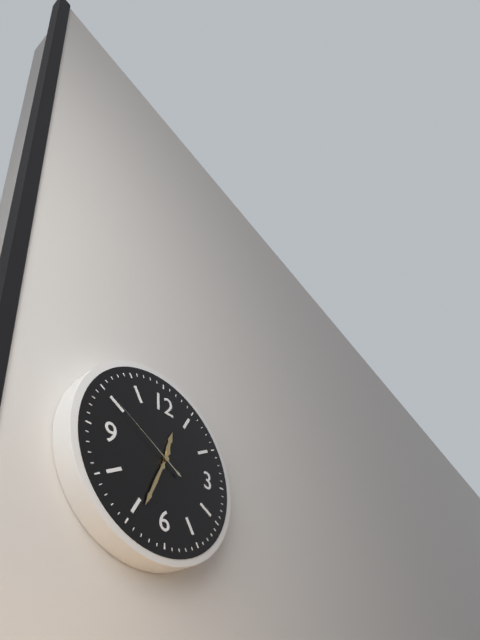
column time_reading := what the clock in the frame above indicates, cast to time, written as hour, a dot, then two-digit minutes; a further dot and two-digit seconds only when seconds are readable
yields 12.34.50
